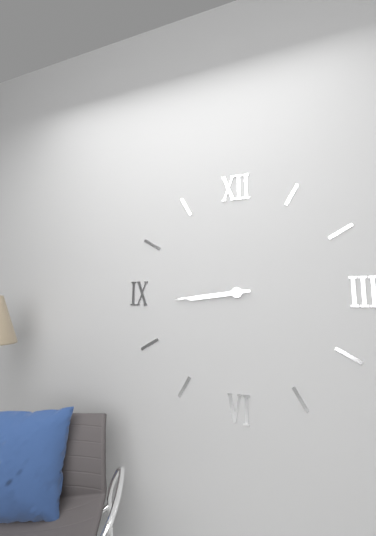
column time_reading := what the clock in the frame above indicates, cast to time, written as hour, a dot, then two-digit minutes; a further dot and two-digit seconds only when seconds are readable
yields 8.44
